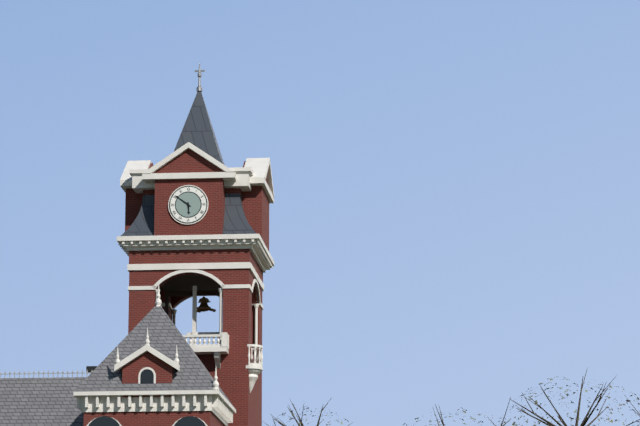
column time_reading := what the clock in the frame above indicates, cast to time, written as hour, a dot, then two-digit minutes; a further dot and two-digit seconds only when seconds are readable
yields 5.51
